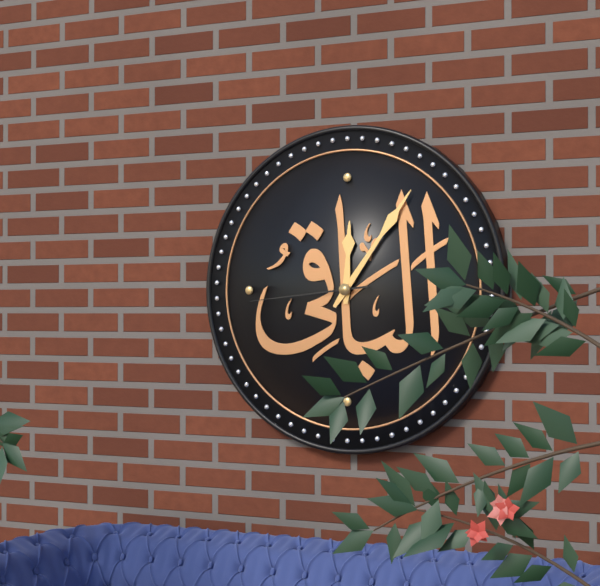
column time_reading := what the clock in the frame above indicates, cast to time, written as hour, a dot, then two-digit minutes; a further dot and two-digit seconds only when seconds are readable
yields 12.06.44
